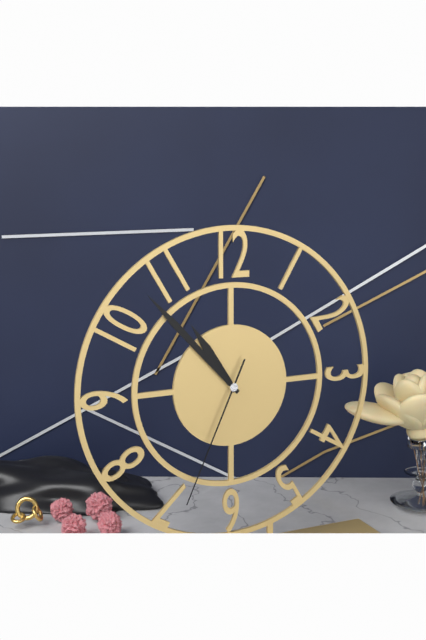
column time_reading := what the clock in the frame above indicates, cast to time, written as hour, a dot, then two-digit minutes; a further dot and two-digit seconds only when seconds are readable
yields 10.53.34
